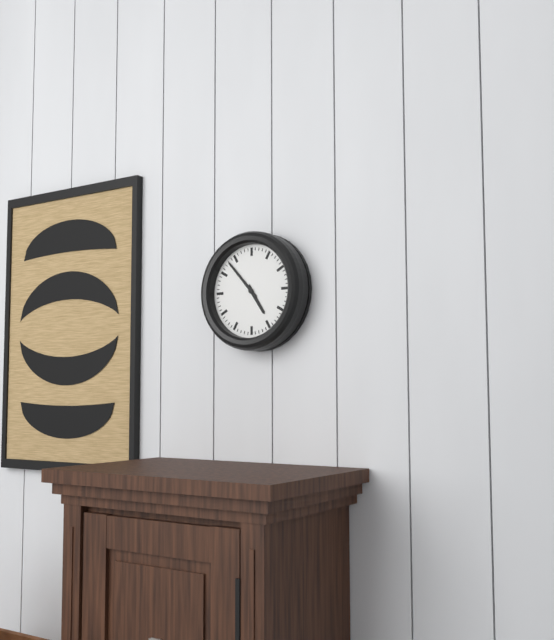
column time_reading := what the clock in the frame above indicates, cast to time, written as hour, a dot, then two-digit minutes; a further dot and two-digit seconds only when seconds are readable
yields 4.53
